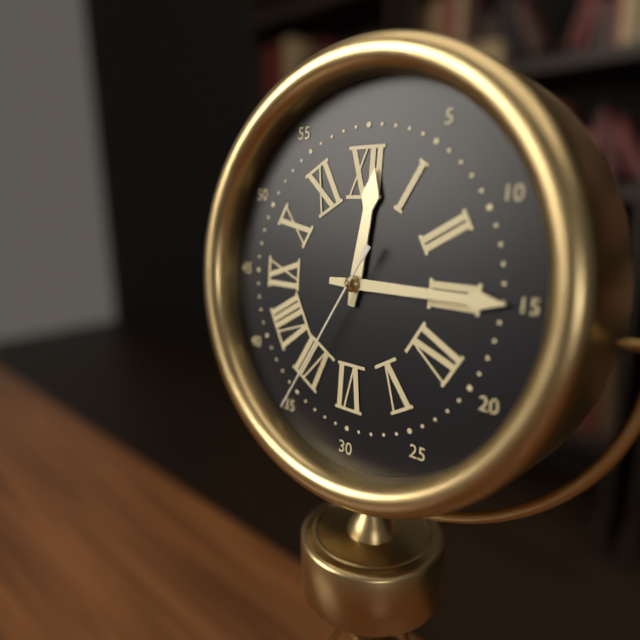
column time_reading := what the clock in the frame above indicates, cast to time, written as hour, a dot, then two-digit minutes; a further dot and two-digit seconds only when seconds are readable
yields 12.15.35
